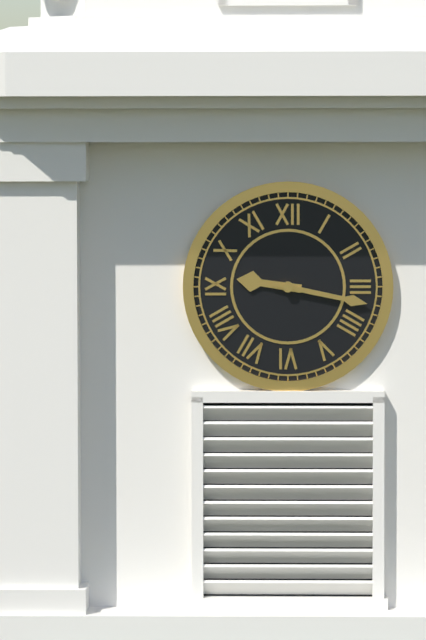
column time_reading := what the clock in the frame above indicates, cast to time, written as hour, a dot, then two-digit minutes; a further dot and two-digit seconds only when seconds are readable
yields 9.17
